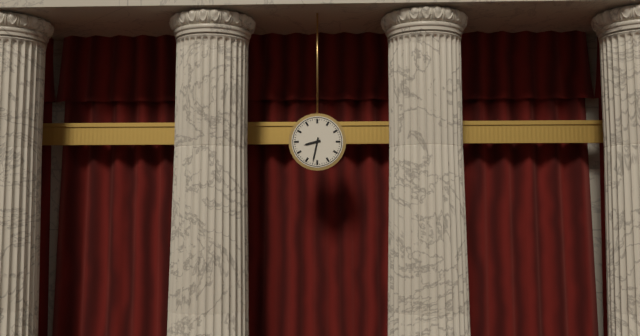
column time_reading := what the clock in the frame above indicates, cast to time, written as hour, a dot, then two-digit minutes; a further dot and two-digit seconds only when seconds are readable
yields 8.32
